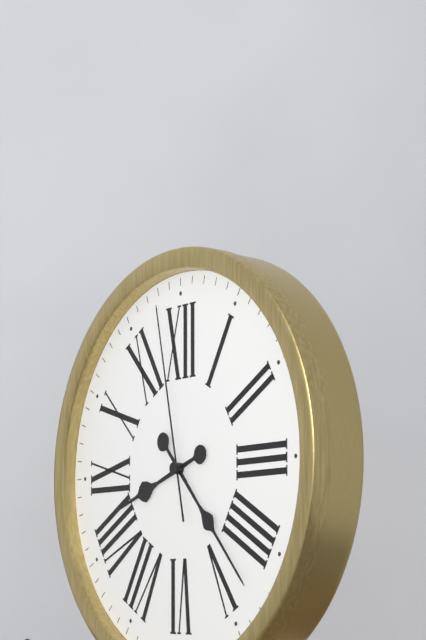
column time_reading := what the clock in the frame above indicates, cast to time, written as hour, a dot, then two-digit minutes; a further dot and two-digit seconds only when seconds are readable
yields 8.23.58
